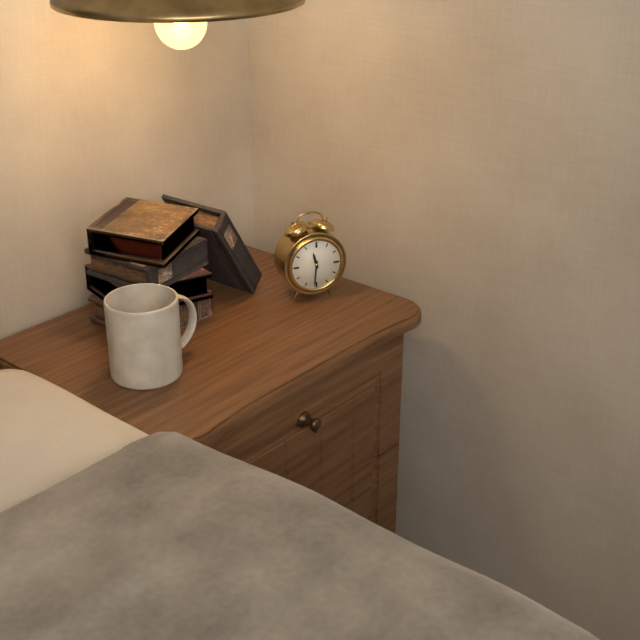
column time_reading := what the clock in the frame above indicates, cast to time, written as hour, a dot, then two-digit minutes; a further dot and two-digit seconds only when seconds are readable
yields 11.31
